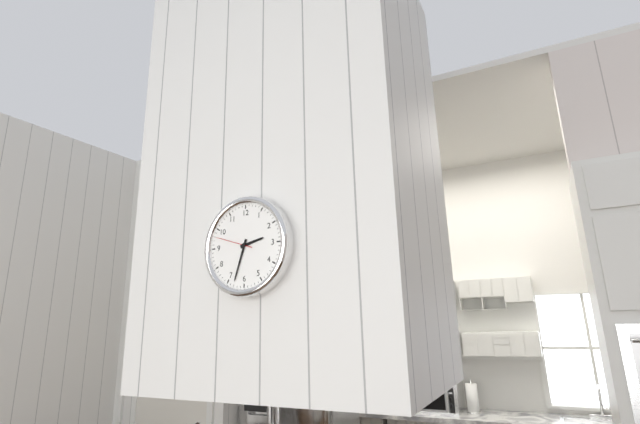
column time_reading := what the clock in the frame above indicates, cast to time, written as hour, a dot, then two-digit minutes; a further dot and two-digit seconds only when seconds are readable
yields 2.33
